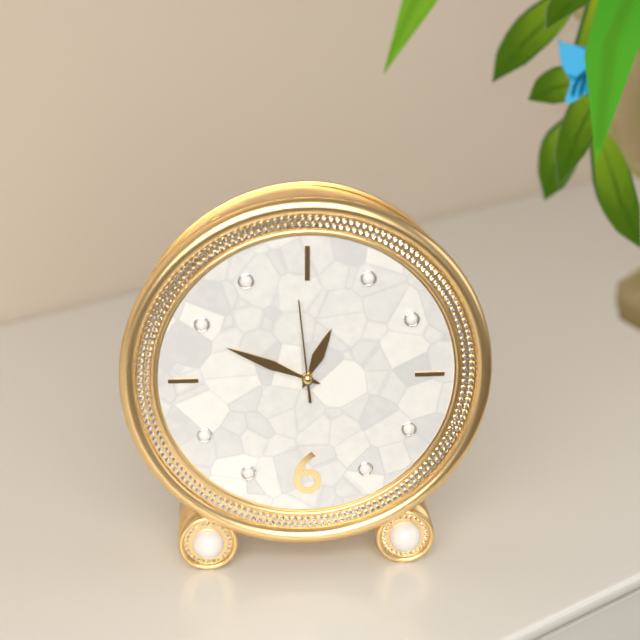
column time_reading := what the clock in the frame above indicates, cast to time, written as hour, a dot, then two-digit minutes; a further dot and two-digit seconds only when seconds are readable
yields 12.49.59
